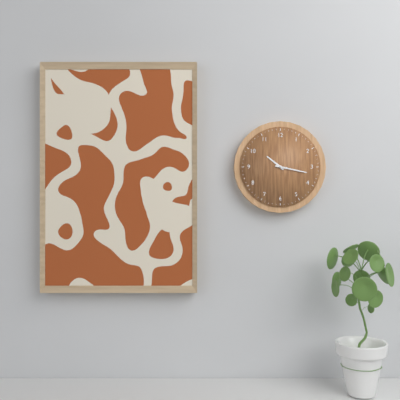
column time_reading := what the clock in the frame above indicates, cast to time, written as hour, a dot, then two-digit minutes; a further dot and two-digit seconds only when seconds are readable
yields 10.17
